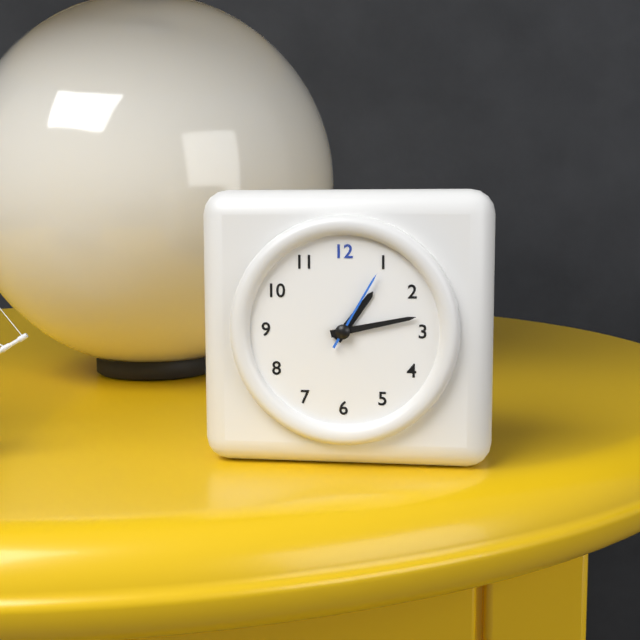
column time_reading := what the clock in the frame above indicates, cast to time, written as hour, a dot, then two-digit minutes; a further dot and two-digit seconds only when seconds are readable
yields 1.13.05
